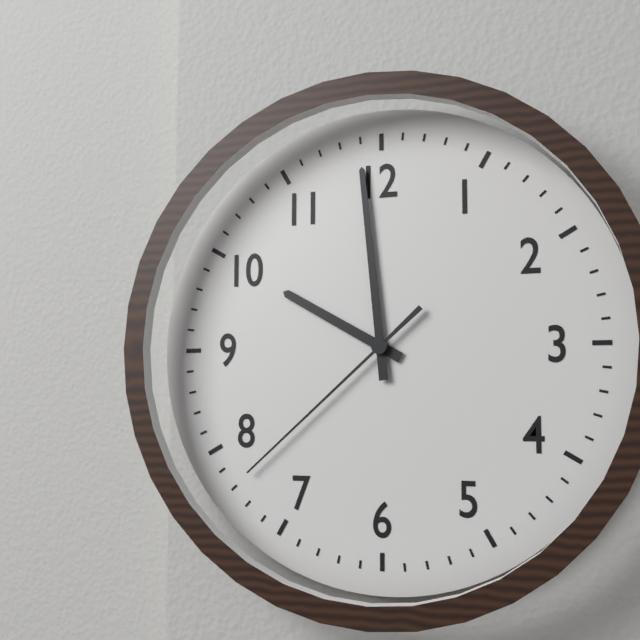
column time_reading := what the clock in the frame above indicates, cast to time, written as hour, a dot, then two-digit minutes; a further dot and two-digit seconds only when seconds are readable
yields 9.59.38
